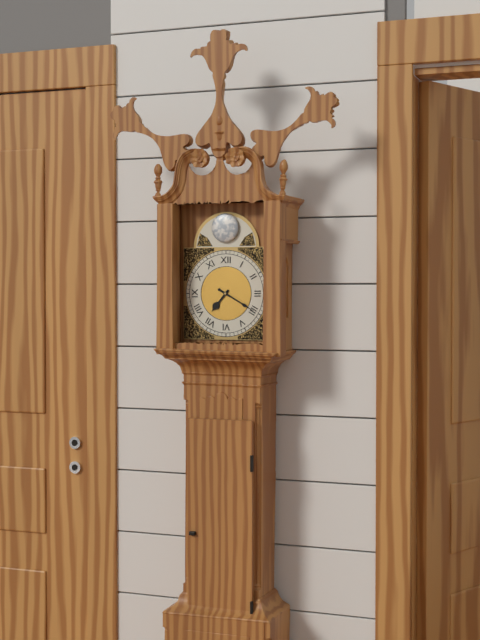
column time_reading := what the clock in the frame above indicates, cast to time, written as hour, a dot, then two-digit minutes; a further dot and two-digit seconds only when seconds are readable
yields 7.20
